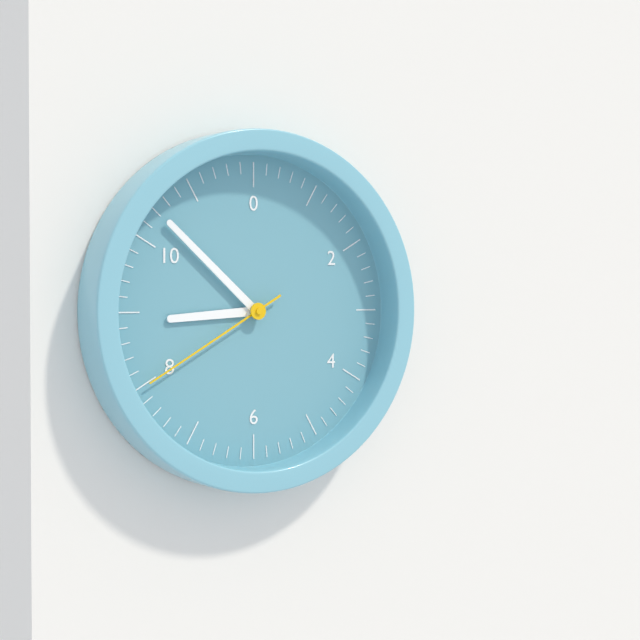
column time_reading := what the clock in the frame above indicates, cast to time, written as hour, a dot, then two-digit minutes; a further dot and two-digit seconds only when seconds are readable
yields 8.52.40
